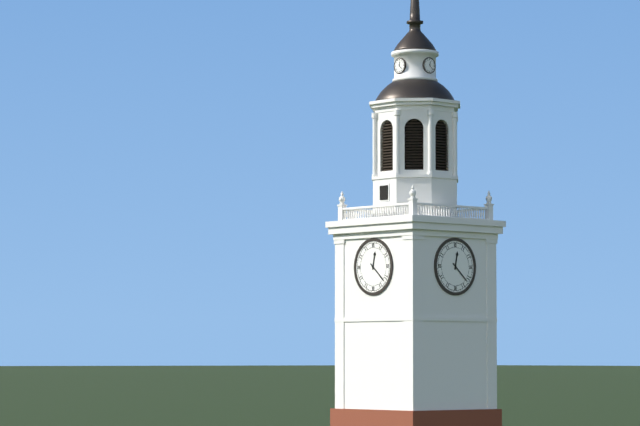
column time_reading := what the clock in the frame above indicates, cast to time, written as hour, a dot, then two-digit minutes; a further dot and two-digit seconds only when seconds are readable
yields 12.22
